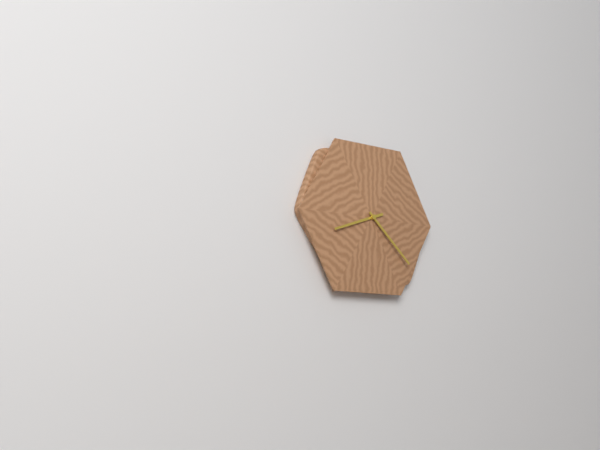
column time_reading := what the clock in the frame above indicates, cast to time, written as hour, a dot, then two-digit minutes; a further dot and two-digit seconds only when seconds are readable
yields 8.22
